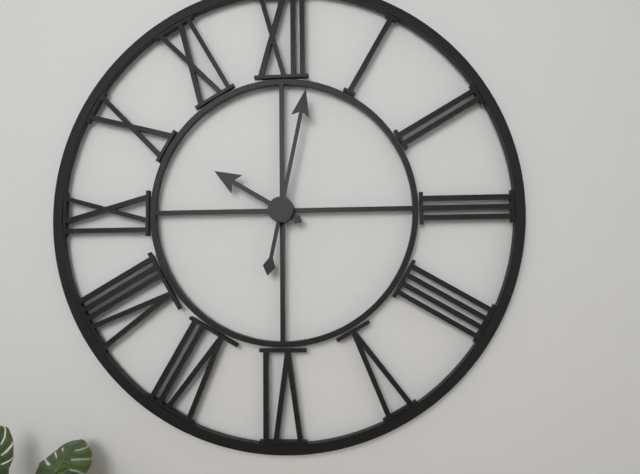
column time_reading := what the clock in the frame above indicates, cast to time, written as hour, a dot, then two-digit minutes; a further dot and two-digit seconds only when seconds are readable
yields 10.02
